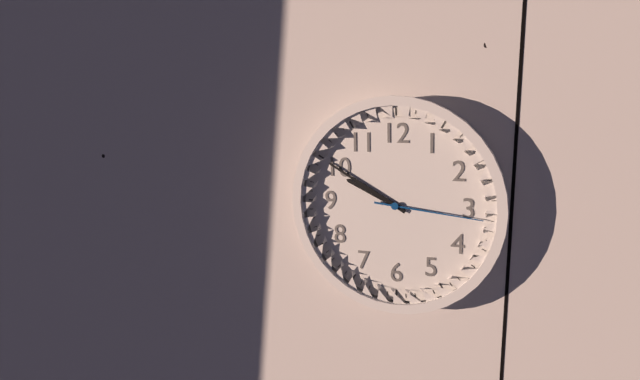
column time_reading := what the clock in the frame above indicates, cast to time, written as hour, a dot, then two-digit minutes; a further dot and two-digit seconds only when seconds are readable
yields 9.50.16
